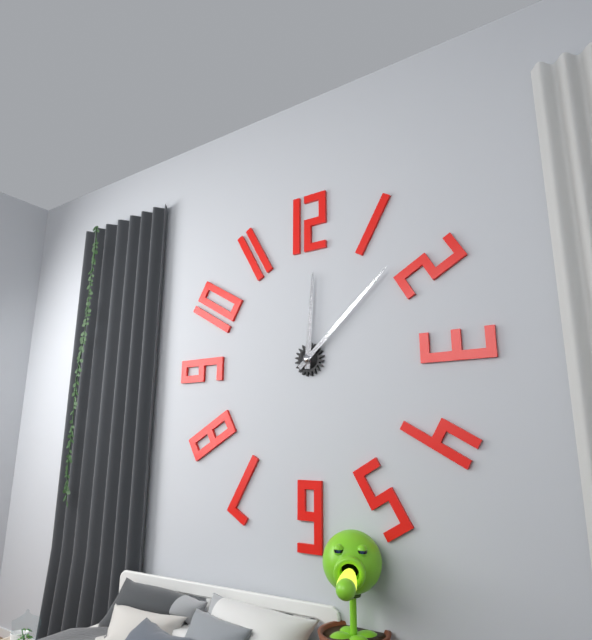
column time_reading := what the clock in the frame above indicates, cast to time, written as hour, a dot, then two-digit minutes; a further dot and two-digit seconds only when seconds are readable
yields 12.08
